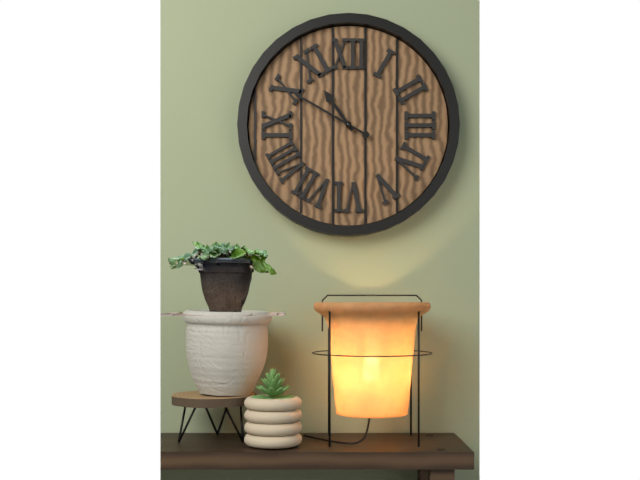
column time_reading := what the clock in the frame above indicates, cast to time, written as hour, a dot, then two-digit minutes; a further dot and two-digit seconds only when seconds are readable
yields 10.50
